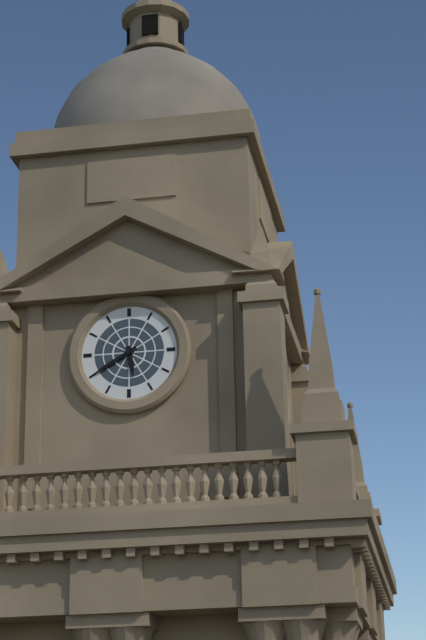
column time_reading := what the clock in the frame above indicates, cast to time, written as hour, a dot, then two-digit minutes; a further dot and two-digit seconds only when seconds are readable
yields 5.40
